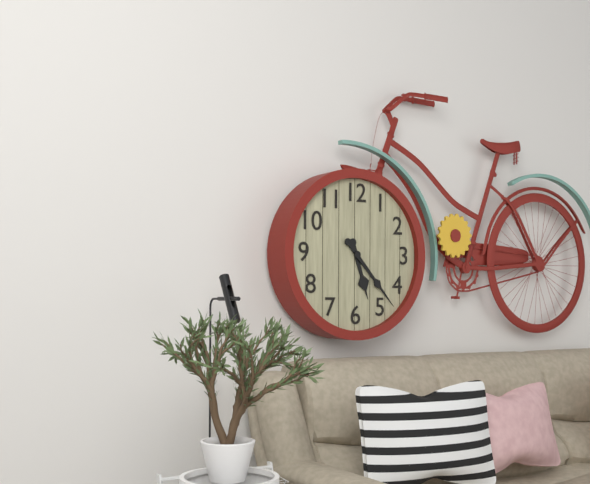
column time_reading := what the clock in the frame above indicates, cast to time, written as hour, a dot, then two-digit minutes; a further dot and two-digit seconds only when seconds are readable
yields 5.23
